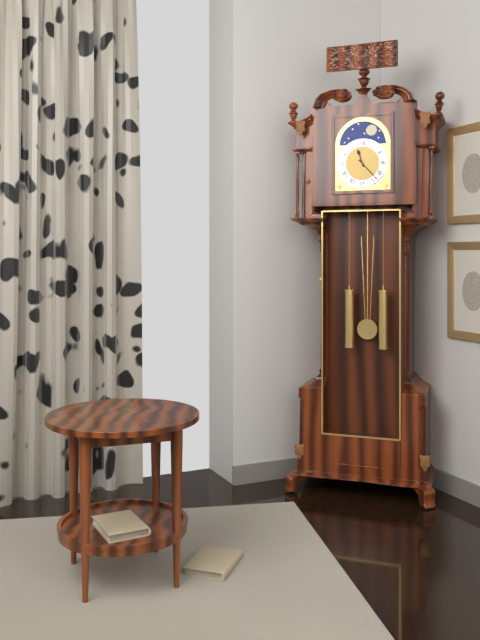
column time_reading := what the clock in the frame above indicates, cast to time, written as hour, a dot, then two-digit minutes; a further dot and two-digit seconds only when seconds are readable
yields 11.23
